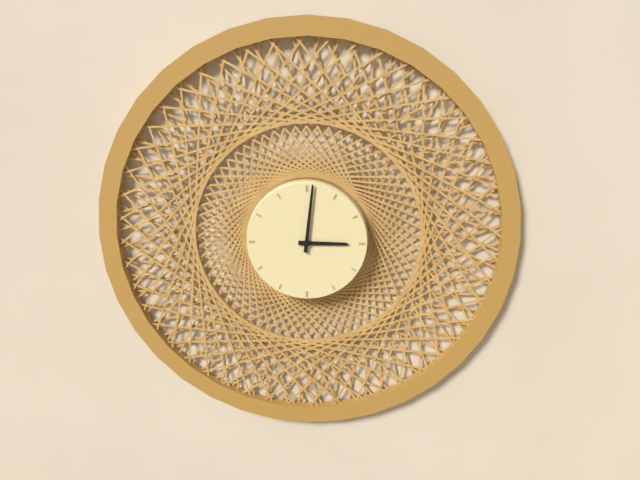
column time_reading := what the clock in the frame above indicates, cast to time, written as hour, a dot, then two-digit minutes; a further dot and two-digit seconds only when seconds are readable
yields 3.01
